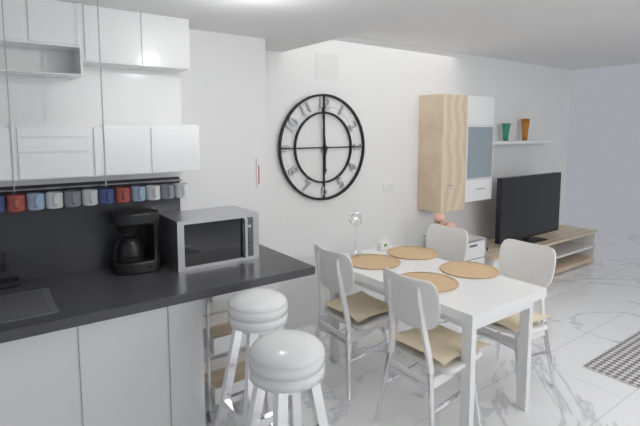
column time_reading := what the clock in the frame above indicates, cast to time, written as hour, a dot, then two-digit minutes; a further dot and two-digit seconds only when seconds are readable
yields 5.59
